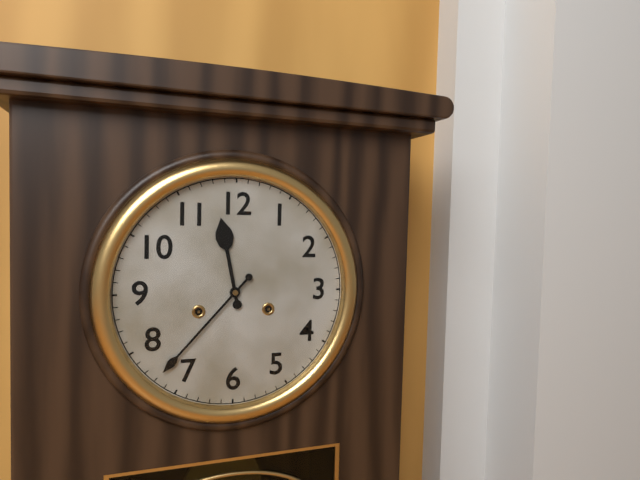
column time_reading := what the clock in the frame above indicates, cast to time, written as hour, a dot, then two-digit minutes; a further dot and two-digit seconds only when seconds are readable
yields 11.37
